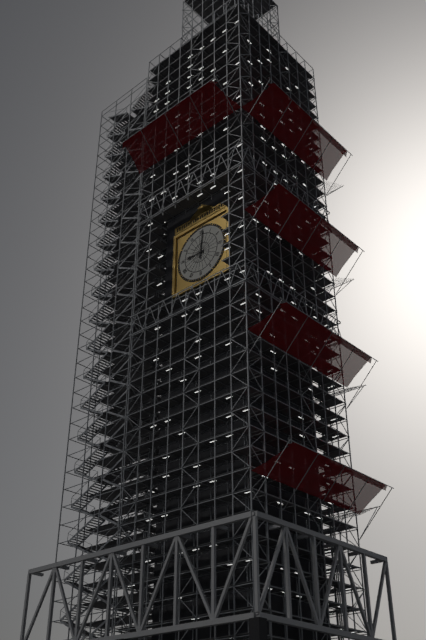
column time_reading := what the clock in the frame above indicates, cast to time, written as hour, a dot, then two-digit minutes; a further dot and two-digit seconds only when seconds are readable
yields 9.01
